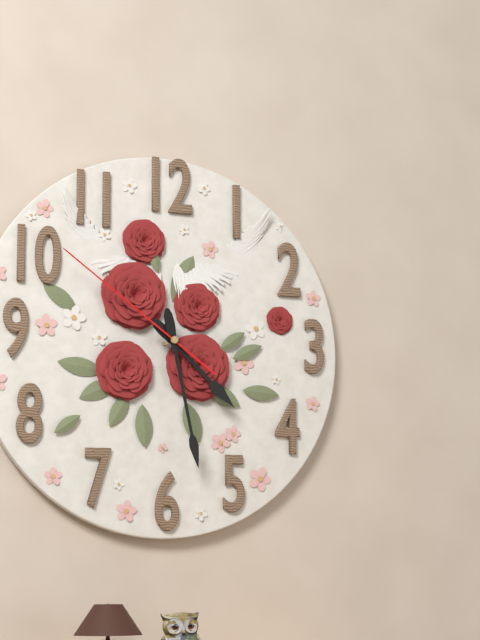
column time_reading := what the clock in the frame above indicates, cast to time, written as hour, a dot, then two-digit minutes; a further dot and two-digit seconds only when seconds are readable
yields 4.28.51
